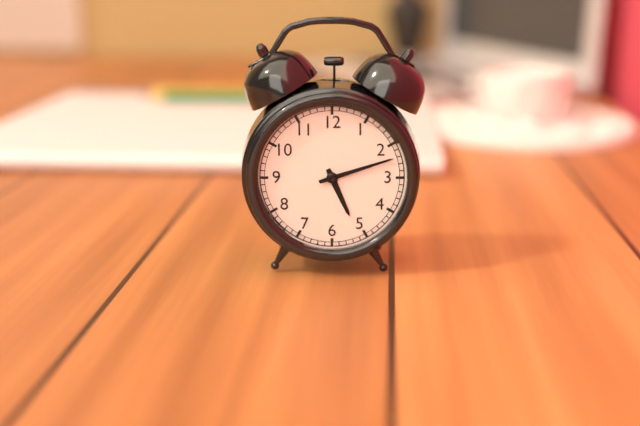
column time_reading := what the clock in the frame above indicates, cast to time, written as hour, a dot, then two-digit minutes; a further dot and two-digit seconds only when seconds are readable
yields 5.12
